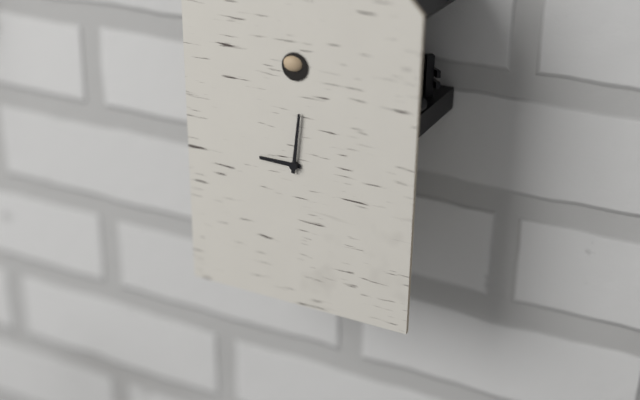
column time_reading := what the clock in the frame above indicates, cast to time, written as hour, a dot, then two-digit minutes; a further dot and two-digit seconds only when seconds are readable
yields 9.01
